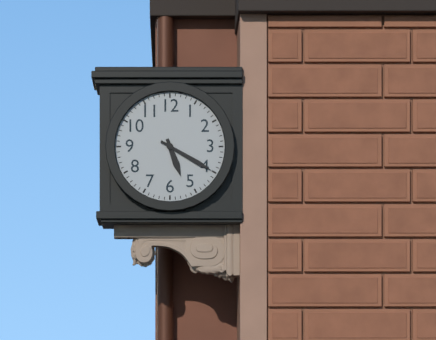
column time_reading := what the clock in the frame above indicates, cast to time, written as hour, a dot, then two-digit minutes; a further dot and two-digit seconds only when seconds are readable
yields 5.20
